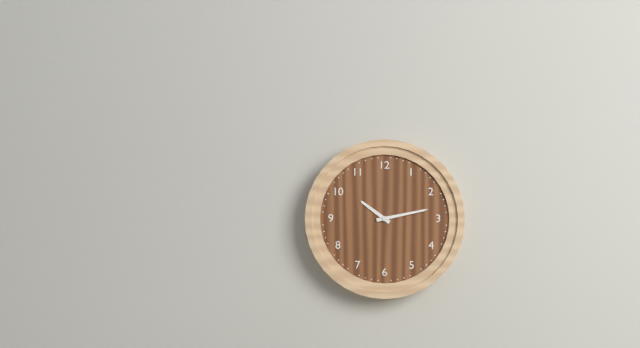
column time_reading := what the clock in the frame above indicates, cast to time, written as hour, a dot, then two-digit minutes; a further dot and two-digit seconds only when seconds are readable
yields 10.13
